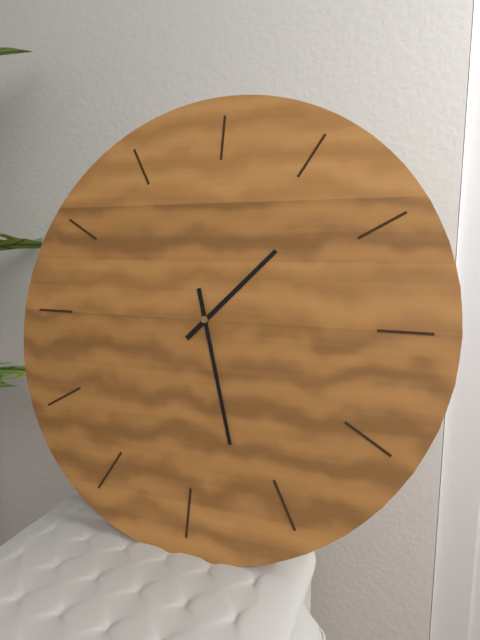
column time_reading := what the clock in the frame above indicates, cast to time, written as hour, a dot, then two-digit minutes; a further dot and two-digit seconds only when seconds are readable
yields 1.27
